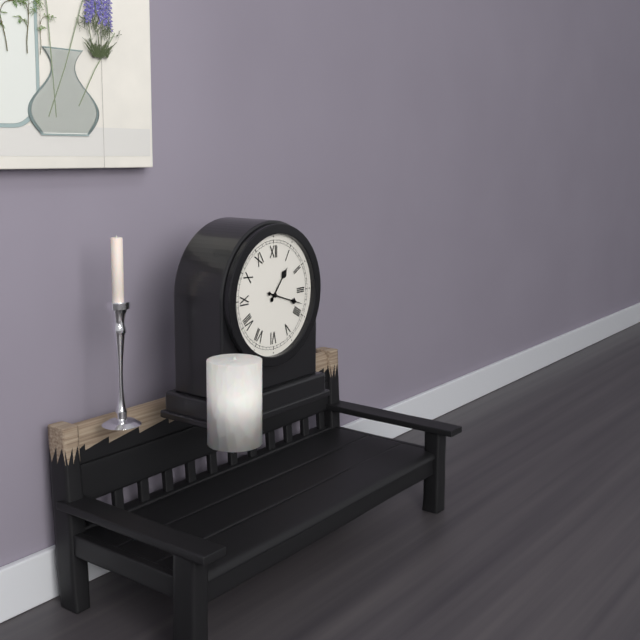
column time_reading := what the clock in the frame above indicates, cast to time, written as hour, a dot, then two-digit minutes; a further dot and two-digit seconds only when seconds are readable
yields 1.18
